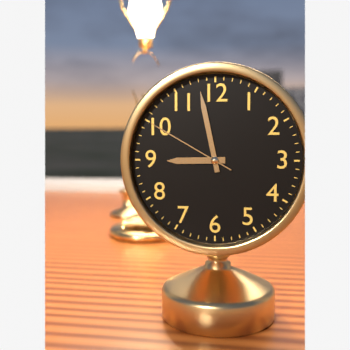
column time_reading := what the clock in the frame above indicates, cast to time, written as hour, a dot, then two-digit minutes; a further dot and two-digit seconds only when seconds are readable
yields 8.58.50
